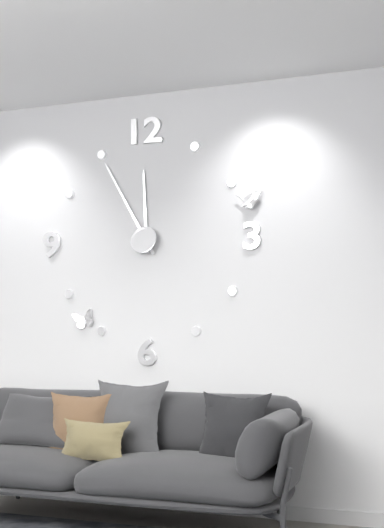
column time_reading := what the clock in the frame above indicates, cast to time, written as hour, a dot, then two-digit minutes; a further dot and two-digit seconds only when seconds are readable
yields 11.55
